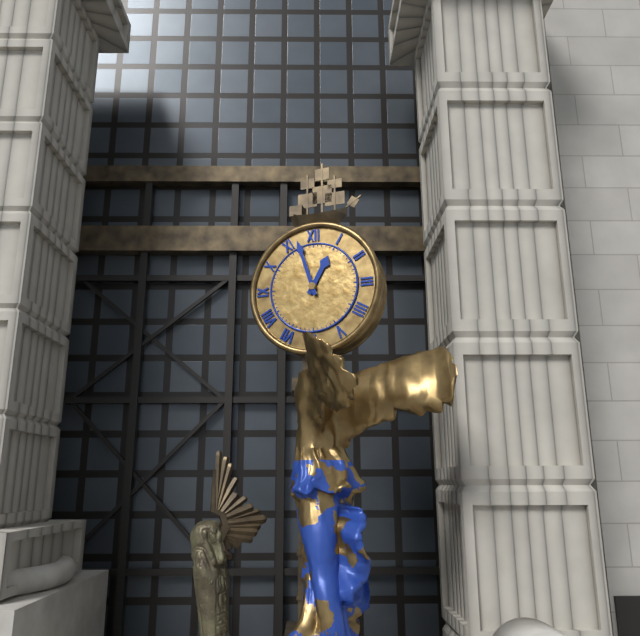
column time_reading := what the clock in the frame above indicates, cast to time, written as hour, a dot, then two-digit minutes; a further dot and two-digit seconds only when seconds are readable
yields 12.57
